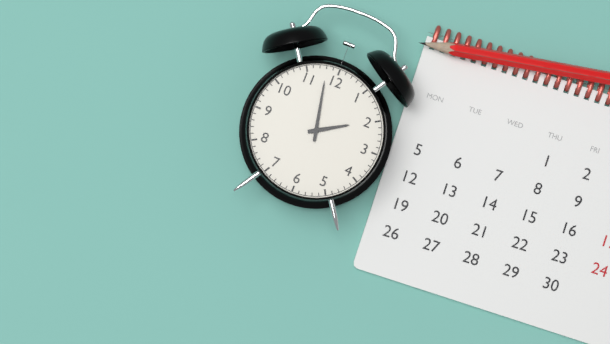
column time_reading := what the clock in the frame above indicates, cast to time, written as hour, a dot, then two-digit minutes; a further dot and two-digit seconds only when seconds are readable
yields 1.58
